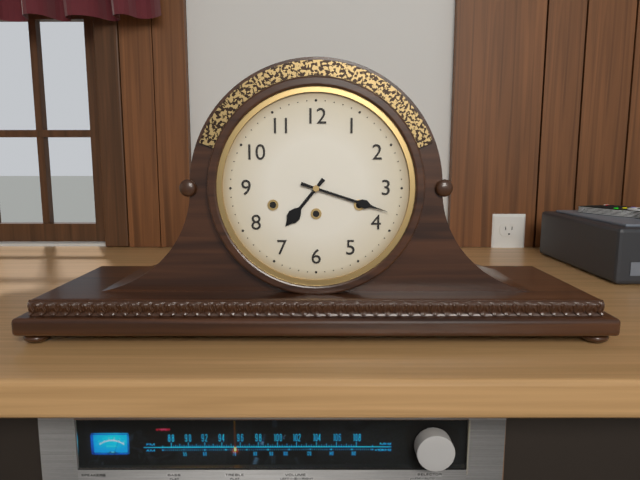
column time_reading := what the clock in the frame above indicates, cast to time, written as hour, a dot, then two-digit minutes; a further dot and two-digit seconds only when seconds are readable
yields 7.18
